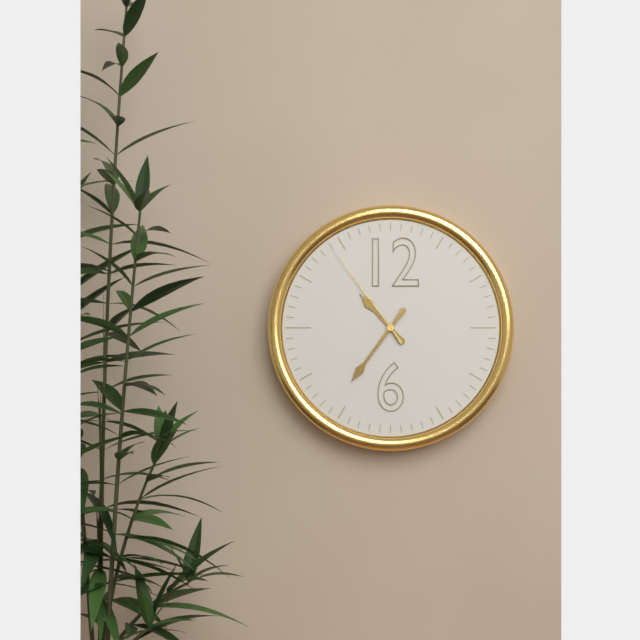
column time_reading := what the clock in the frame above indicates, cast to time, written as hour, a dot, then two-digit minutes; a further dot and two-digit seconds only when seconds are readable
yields 10.36.54
